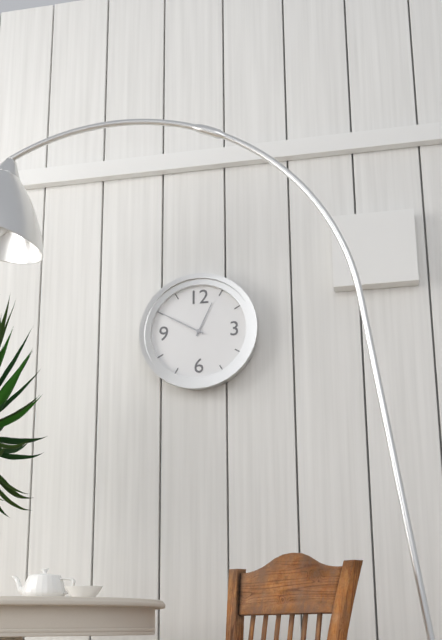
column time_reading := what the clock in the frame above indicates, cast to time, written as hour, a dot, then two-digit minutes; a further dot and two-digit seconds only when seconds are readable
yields 12.50
